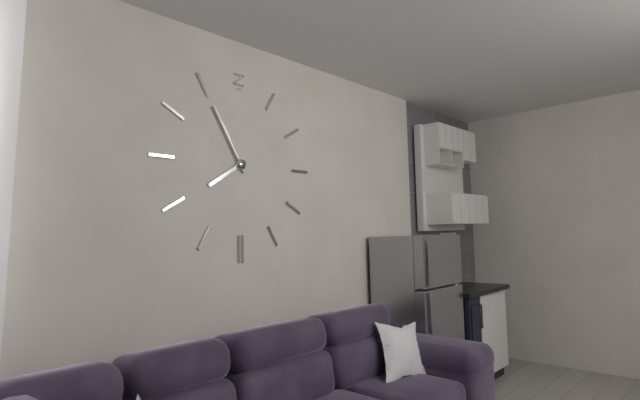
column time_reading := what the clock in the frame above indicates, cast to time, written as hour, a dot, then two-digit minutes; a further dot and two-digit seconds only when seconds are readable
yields 7.55
